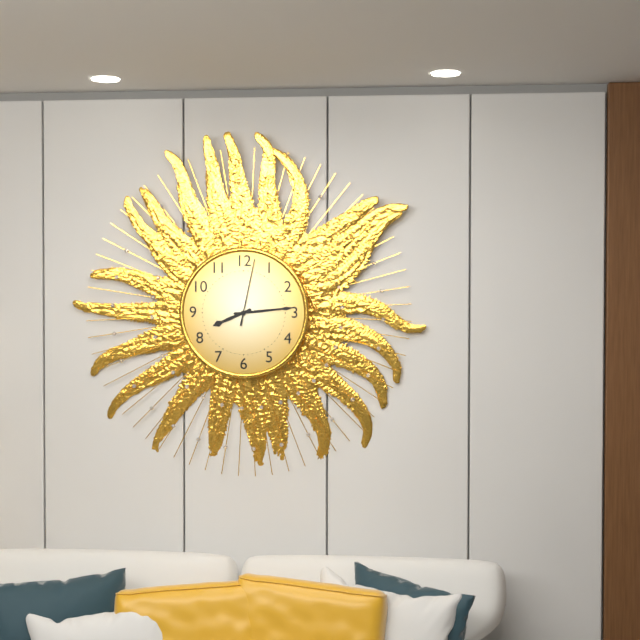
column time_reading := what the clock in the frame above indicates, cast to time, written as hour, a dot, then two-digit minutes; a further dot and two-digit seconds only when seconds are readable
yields 8.14.02
